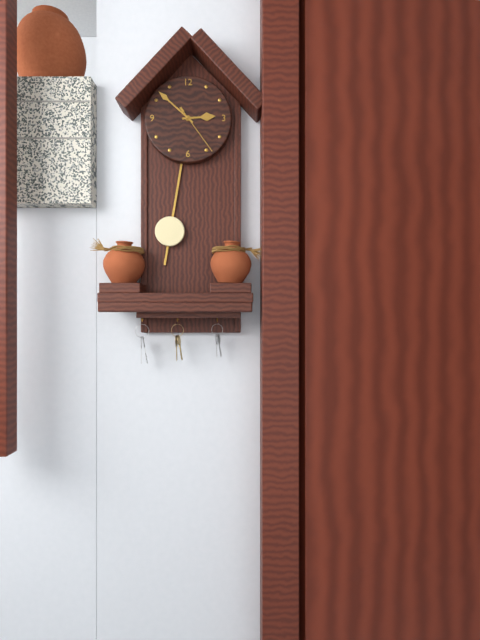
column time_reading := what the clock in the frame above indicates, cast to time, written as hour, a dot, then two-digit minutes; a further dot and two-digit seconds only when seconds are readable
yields 2.52.24
